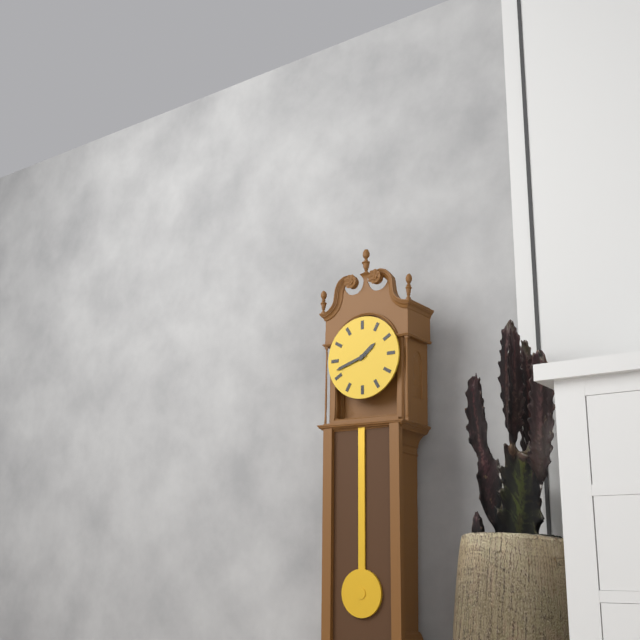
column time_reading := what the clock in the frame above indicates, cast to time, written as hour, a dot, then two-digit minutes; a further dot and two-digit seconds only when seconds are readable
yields 1.42
